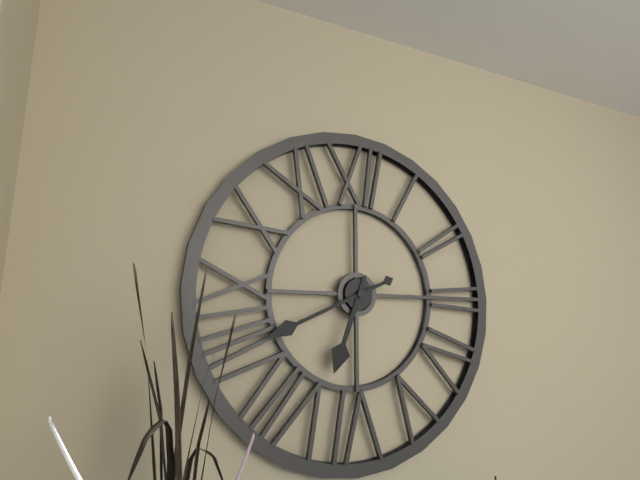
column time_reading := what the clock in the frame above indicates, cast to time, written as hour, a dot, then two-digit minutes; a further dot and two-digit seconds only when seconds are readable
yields 6.41
